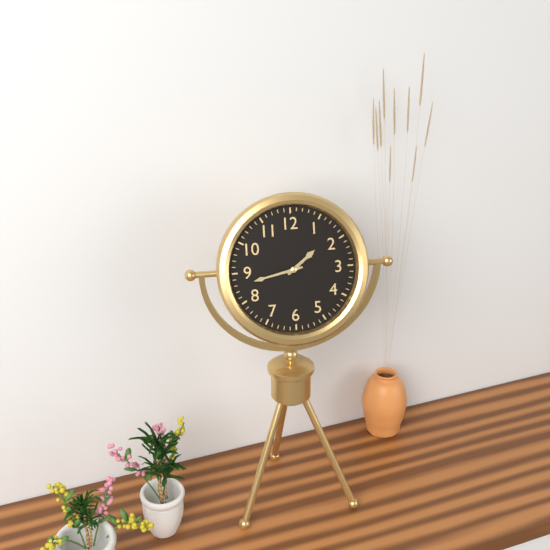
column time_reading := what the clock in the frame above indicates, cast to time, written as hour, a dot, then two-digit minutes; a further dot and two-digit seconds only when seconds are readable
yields 1.43
